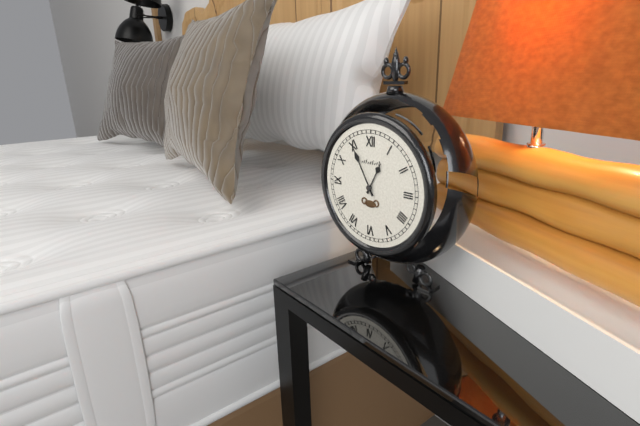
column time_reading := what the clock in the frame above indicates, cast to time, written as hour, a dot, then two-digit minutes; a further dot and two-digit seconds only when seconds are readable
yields 12.55
